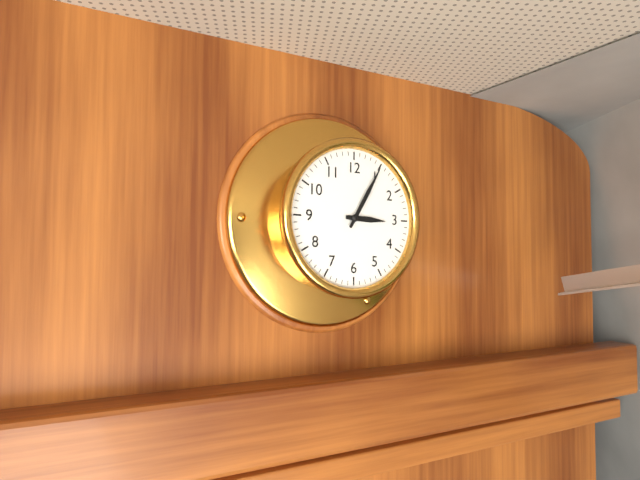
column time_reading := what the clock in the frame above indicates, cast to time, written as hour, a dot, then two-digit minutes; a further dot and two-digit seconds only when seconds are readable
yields 3.05
